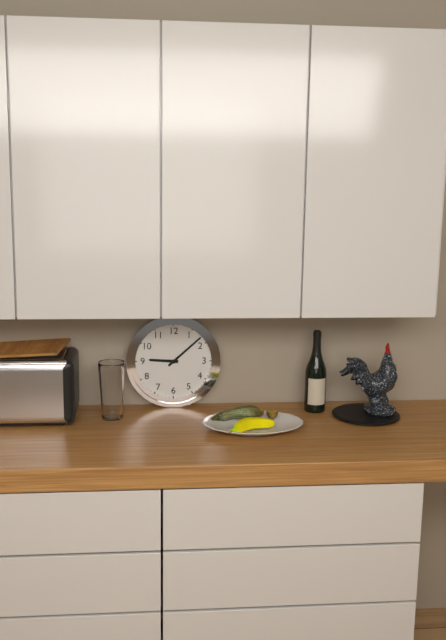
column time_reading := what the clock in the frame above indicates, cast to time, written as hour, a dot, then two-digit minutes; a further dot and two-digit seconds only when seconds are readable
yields 9.08
